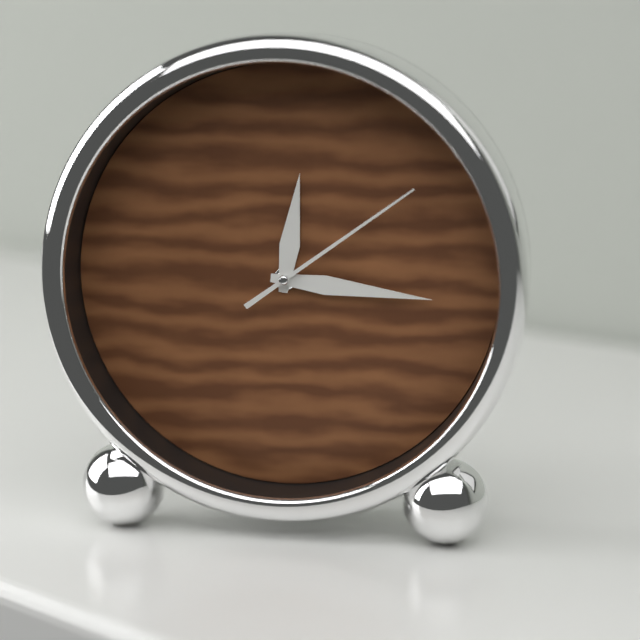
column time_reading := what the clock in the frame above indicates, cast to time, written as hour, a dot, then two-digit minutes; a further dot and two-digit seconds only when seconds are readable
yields 12.16.09
